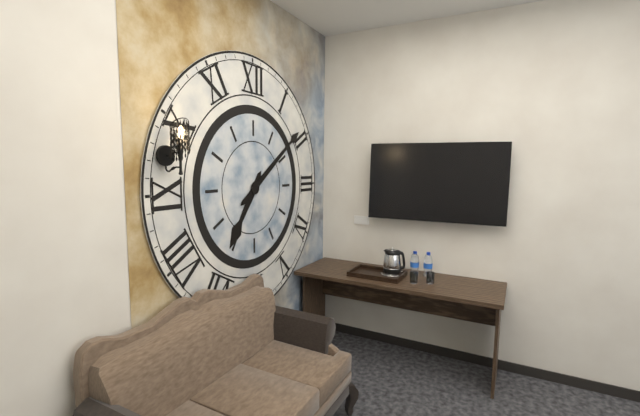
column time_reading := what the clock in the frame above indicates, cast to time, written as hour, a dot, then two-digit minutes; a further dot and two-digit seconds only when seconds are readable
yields 7.09
